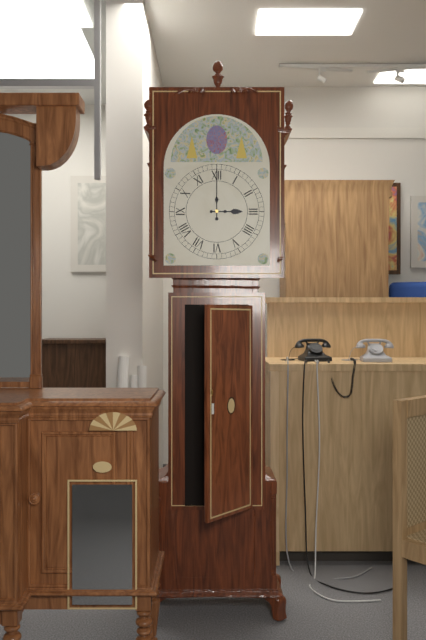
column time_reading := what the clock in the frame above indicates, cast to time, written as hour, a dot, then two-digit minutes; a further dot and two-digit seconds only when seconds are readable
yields 3.00
